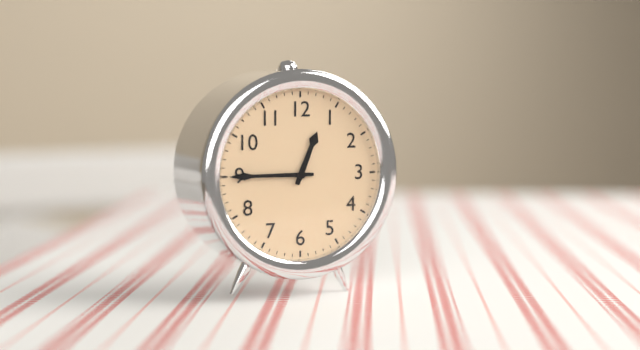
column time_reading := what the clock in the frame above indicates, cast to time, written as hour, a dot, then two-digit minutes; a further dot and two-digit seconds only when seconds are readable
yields 12.45
